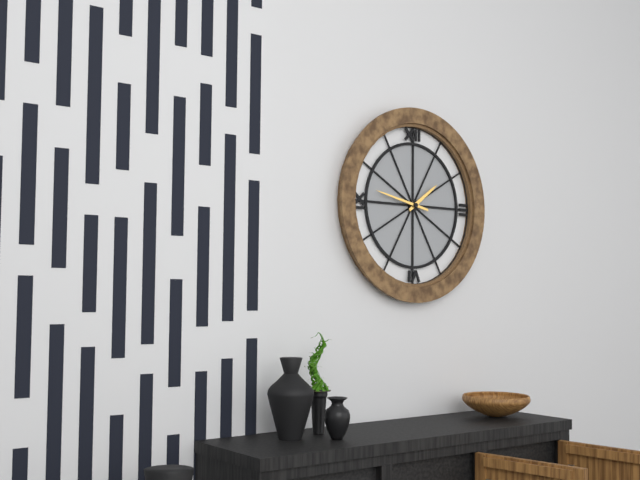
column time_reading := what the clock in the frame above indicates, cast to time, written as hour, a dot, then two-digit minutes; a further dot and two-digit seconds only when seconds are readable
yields 1.47
